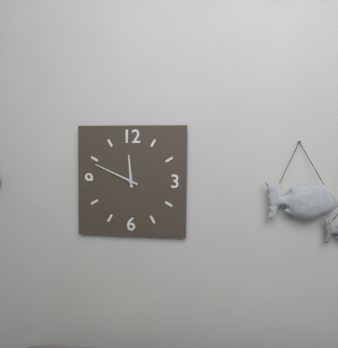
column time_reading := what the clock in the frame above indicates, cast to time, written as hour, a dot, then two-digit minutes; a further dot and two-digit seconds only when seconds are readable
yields 11.49
